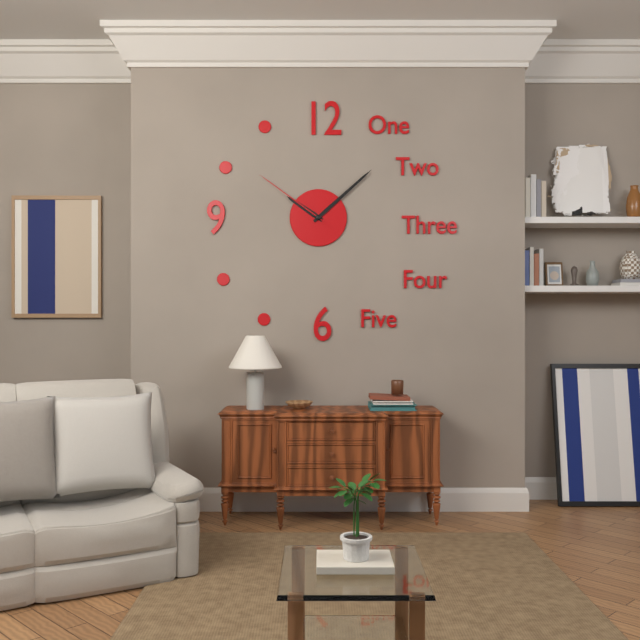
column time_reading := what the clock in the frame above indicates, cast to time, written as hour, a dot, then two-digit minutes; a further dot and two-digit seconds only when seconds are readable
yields 10.08.51
